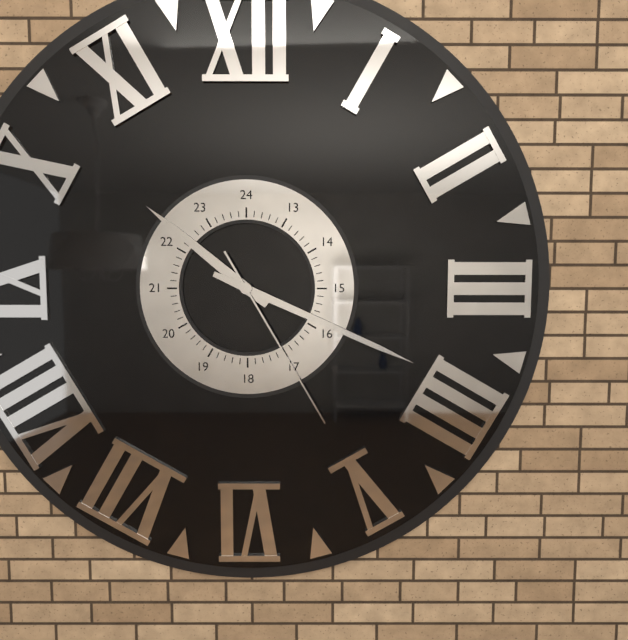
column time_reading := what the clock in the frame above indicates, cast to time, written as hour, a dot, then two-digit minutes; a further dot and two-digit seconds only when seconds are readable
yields 10.19.25
